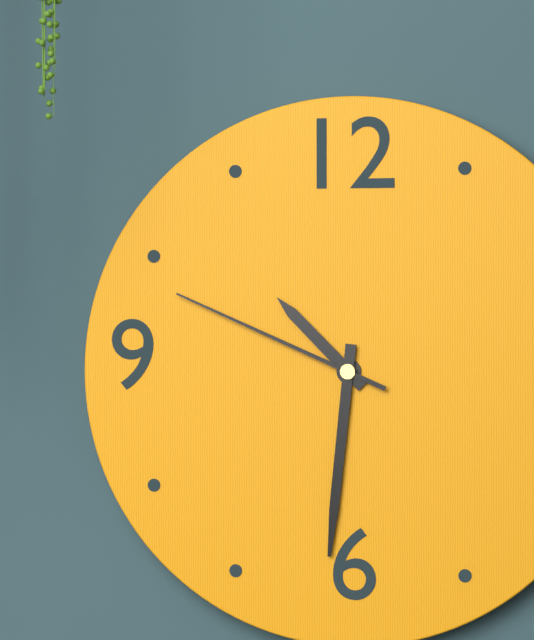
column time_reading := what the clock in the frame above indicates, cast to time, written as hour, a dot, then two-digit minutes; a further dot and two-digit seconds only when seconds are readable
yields 10.31.49
